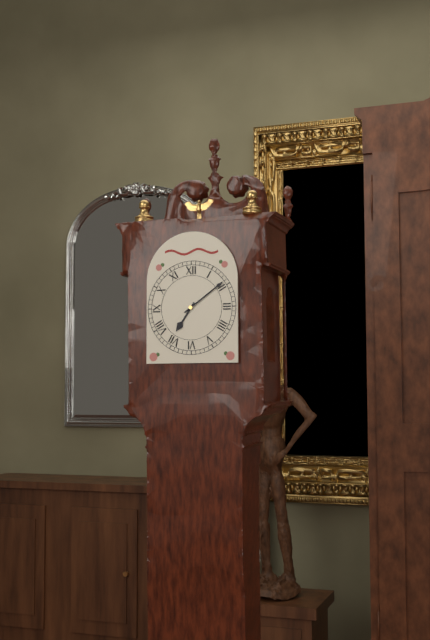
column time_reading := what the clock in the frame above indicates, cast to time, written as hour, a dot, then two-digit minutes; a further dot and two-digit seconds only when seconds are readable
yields 7.09
